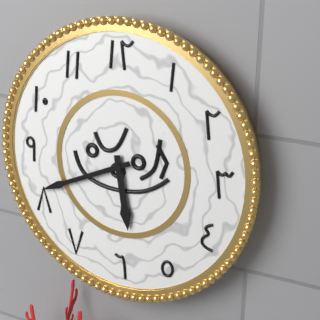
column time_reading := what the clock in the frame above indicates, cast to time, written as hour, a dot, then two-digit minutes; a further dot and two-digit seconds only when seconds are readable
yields 5.41
